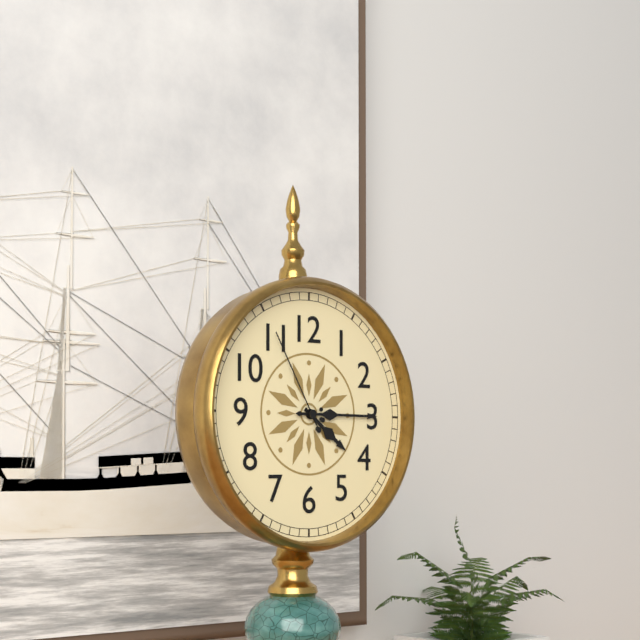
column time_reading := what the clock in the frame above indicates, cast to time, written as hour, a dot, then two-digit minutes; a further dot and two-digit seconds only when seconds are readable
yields 4.15.55
